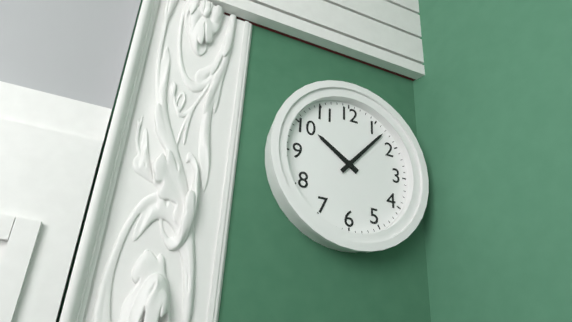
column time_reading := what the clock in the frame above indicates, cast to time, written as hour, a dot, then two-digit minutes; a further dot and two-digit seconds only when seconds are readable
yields 10.07
